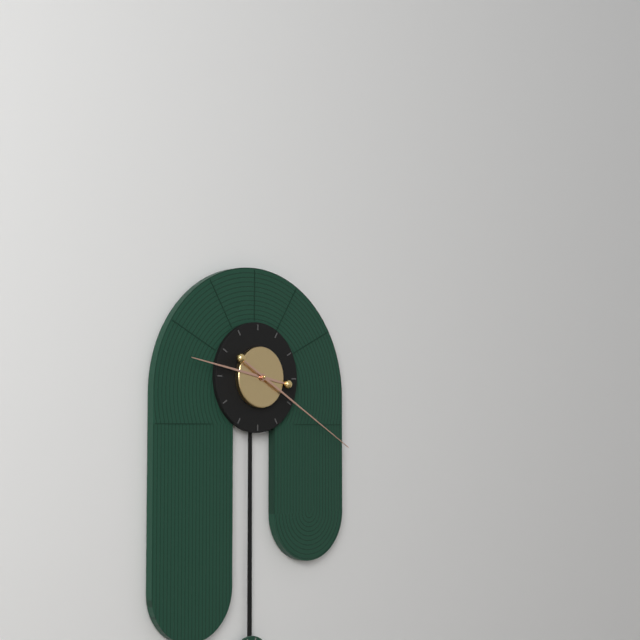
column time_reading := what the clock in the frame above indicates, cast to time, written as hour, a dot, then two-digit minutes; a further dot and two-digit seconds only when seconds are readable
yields 9.20
